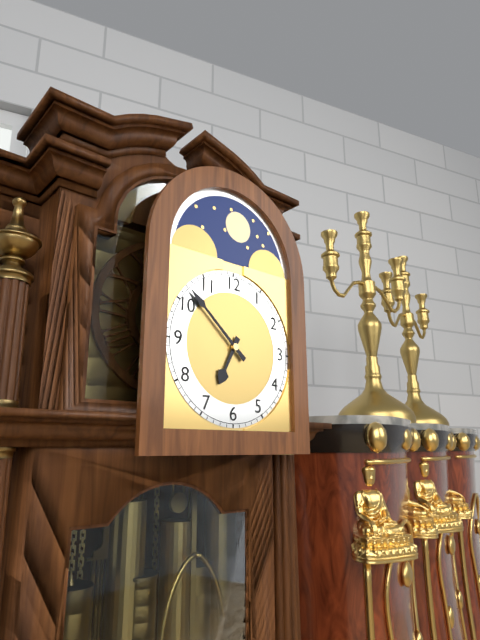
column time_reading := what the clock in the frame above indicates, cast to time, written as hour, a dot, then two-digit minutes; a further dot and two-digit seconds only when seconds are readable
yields 6.52
